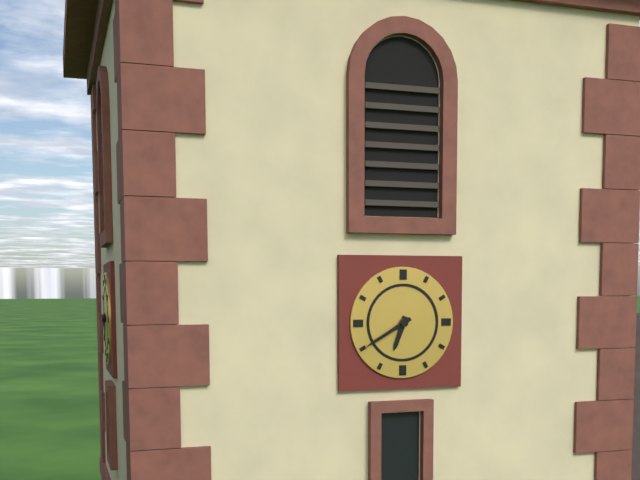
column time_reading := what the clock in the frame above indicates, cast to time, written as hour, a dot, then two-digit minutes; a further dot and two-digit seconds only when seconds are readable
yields 6.40
